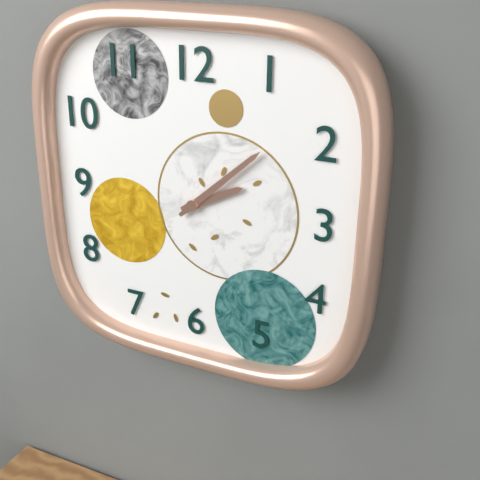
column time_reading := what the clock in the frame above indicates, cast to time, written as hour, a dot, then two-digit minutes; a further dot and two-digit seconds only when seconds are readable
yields 2.08
